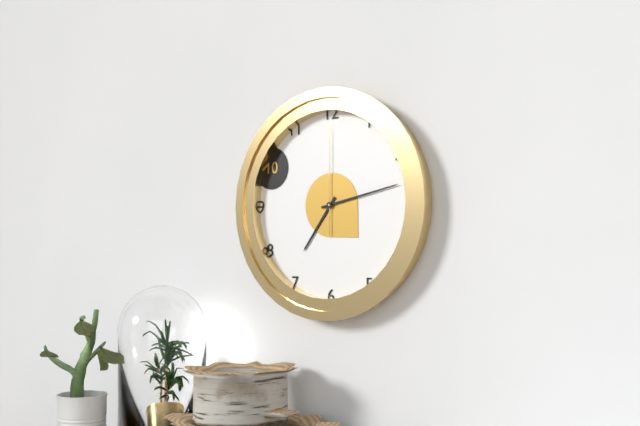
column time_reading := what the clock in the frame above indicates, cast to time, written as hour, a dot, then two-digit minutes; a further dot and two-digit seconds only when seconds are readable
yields 7.13.00
